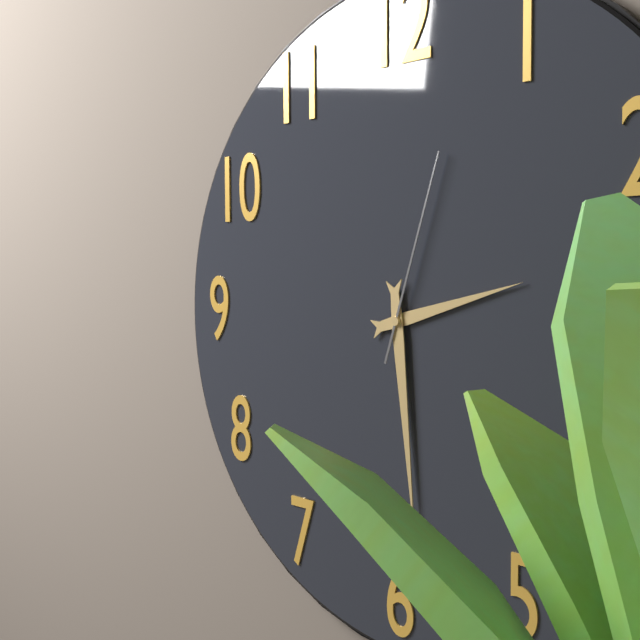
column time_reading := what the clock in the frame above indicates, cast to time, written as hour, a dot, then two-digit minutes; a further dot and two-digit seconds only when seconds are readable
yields 2.29.03
